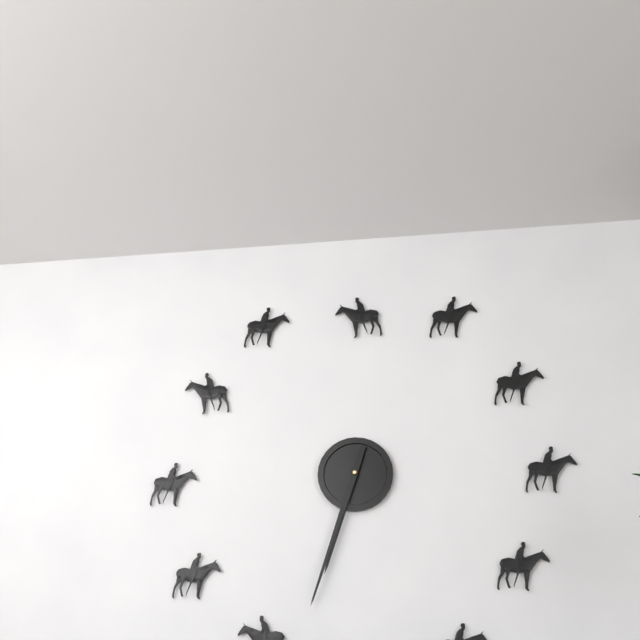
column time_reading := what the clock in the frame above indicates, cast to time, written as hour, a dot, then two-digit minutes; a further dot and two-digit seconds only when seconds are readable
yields 6.33
